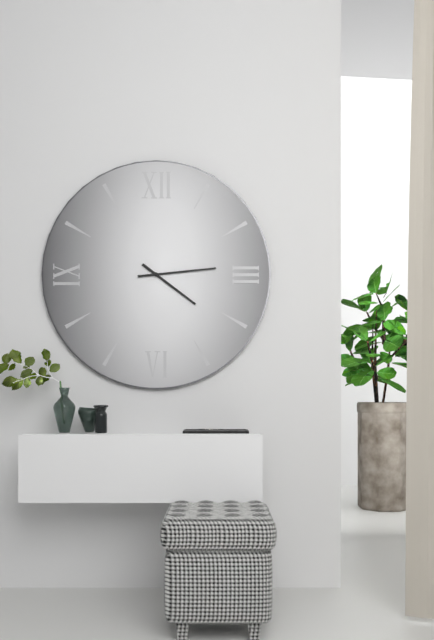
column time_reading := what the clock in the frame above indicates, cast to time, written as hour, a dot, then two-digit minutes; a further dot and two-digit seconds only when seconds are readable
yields 4.14
